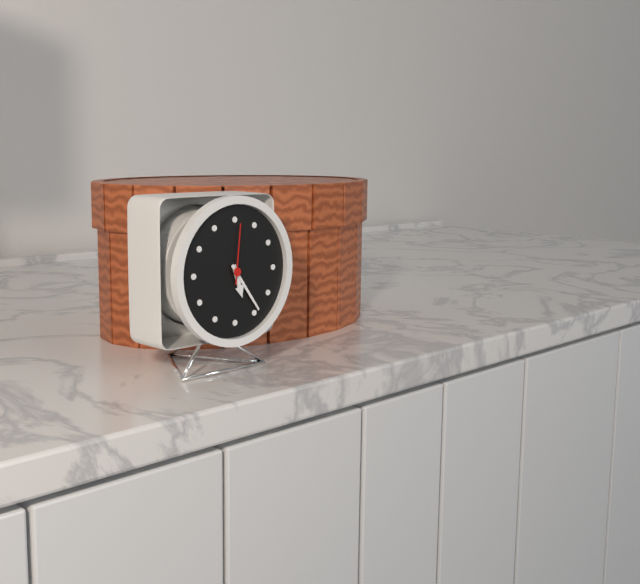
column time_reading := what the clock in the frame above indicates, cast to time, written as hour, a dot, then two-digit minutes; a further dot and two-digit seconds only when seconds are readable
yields 5.24.01
